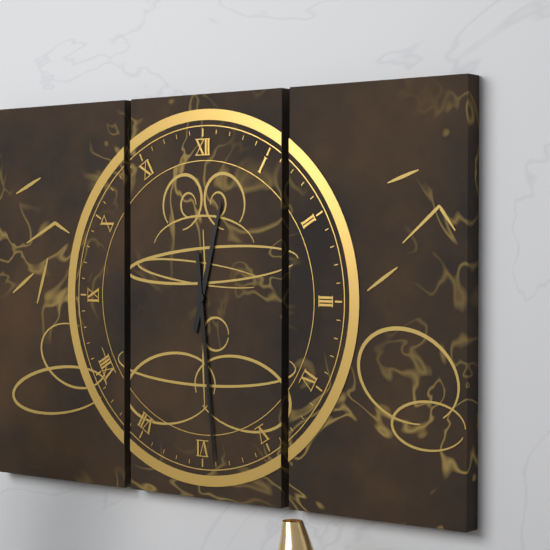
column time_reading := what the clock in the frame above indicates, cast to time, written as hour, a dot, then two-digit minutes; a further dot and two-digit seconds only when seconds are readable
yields 12.29
